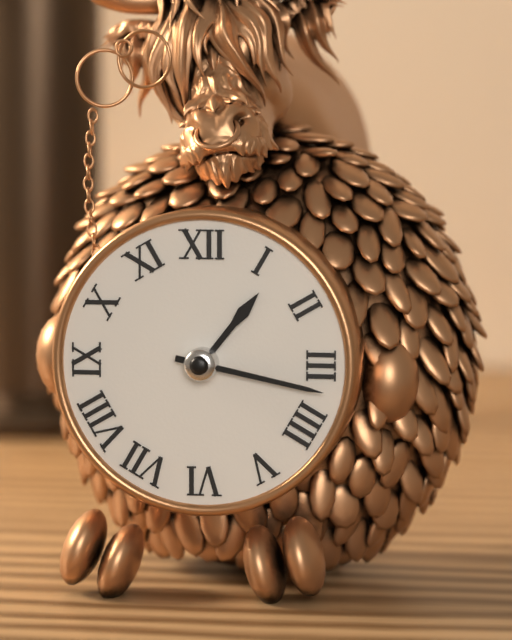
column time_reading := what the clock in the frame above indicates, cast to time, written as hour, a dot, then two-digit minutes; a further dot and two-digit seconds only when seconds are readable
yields 1.17
